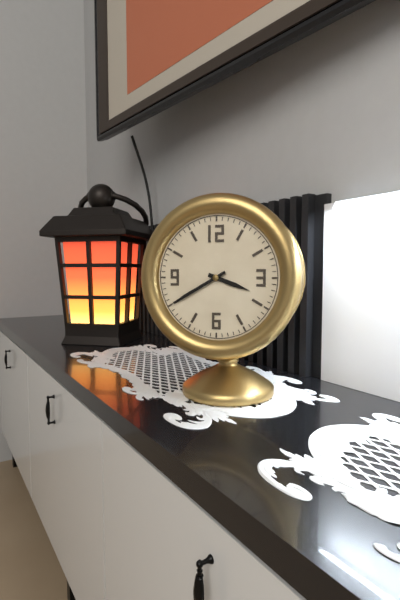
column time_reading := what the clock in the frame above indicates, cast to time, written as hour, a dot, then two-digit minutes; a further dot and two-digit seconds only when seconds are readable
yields 3.40
